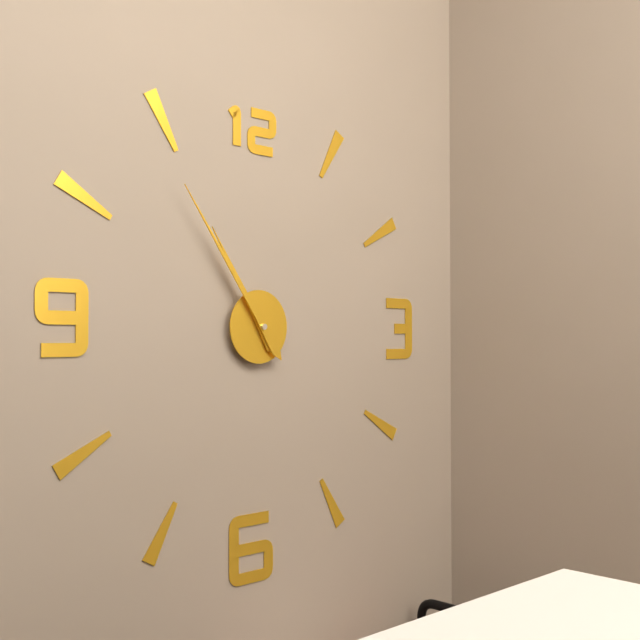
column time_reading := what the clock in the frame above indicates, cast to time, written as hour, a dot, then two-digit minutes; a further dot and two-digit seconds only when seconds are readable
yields 10.54
